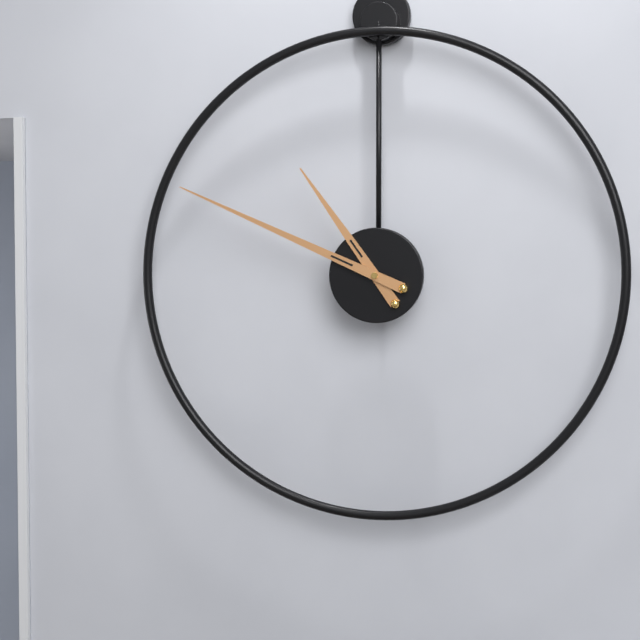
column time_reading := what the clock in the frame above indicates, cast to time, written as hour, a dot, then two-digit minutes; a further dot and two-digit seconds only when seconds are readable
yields 10.49
